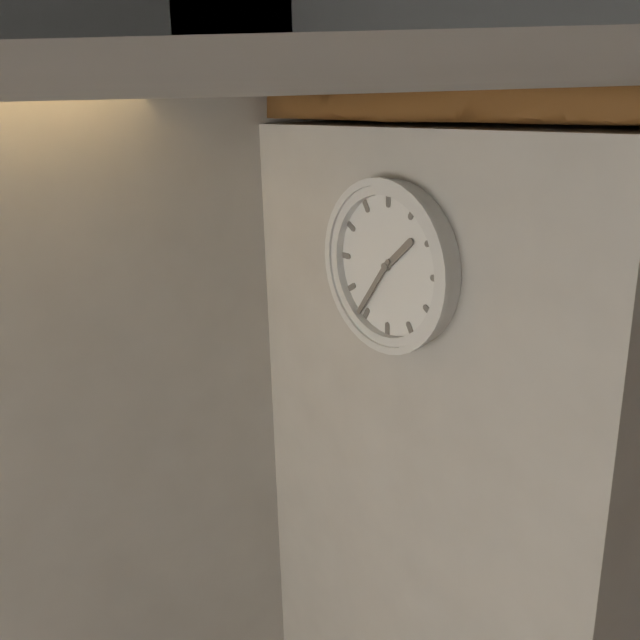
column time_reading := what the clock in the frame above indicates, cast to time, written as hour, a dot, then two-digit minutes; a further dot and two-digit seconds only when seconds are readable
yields 1.36
